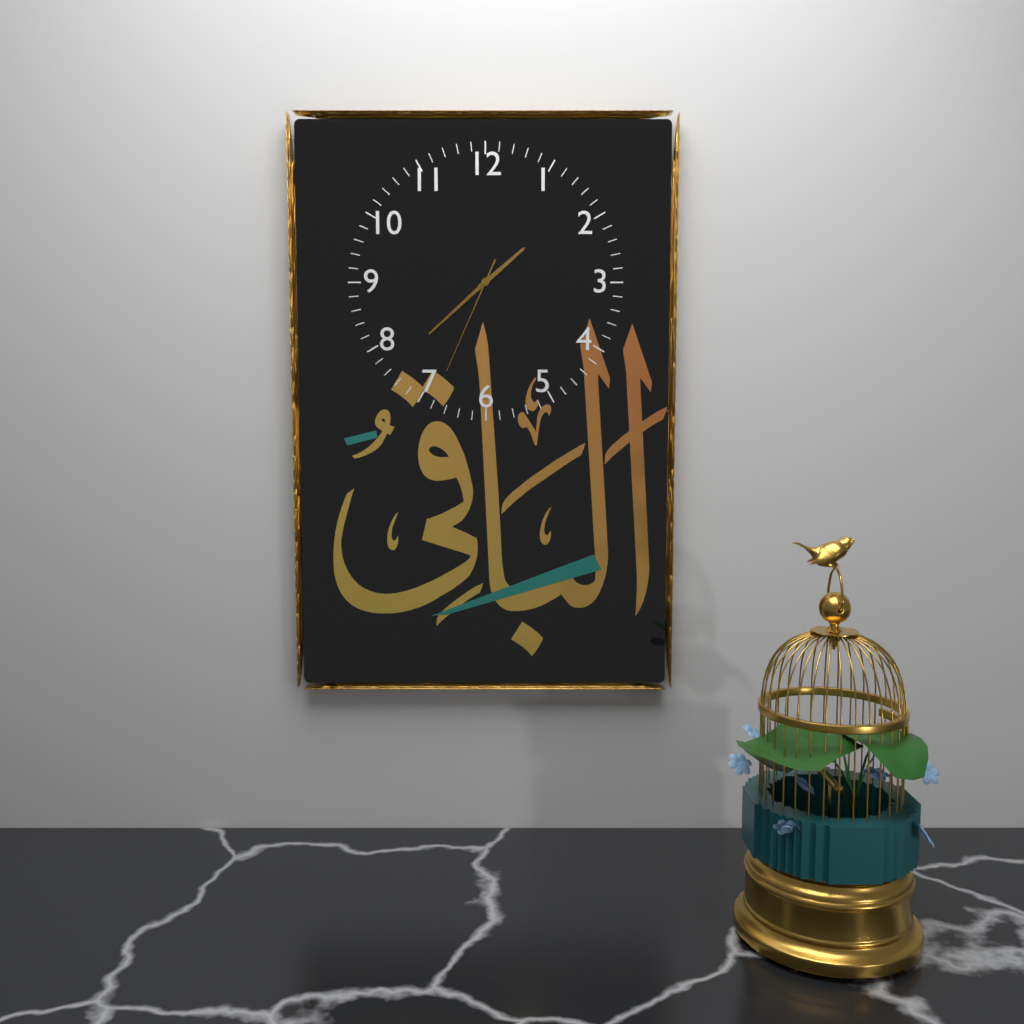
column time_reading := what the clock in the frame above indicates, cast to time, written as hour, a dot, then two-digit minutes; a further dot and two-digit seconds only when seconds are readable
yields 1.38.34
